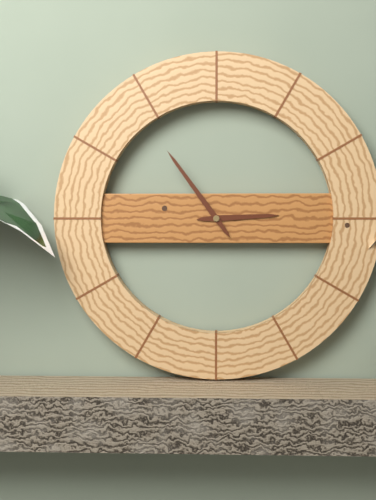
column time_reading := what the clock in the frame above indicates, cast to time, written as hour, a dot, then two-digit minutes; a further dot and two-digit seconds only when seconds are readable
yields 2.54
